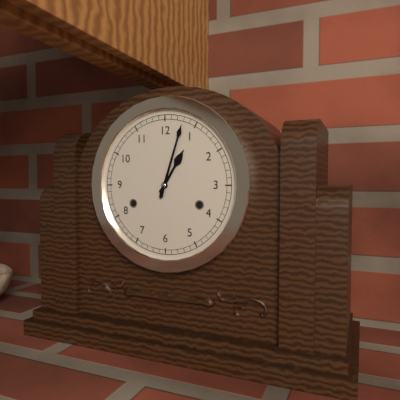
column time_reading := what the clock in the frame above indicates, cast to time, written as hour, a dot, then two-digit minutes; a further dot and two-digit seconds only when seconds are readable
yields 1.03
